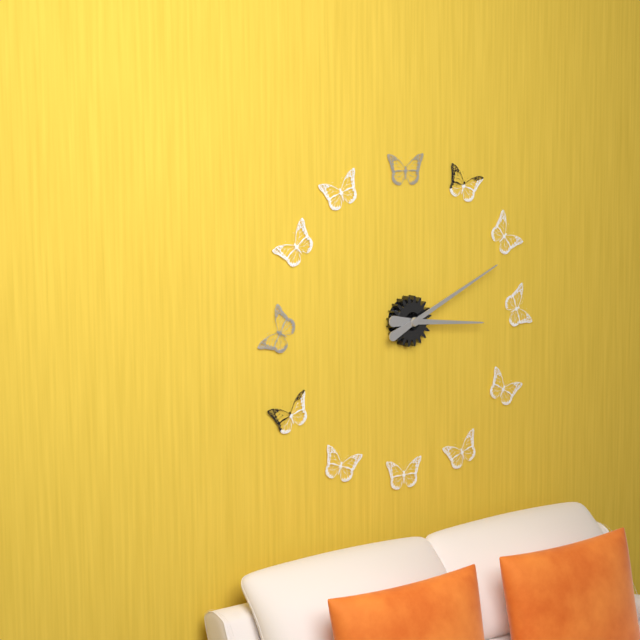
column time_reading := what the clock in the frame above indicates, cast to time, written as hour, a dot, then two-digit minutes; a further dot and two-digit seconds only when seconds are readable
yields 3.11
